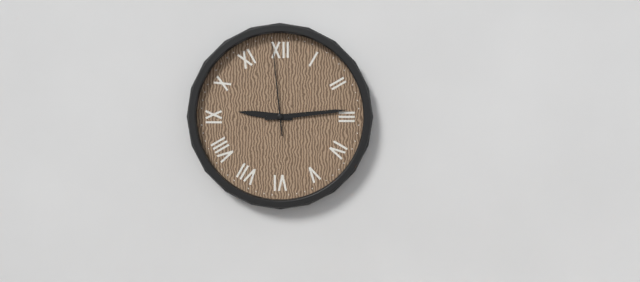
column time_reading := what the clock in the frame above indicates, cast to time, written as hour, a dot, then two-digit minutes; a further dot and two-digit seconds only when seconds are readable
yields 9.14.59
